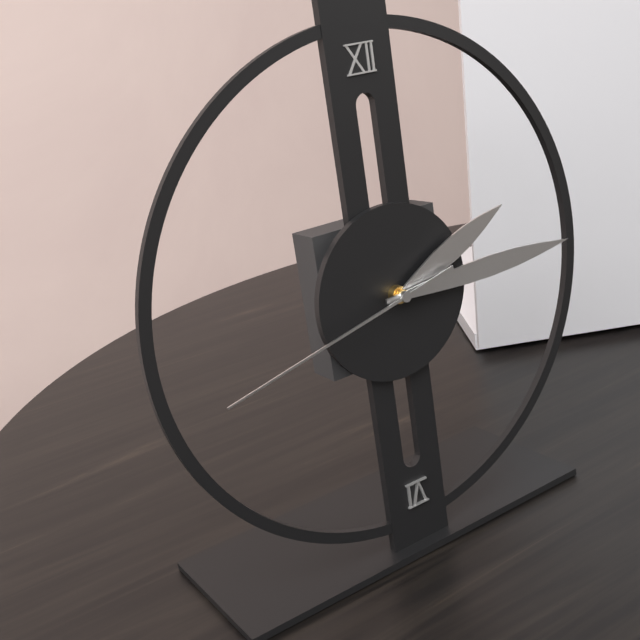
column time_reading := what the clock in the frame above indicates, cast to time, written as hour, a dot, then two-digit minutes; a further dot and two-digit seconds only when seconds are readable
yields 2.15.43
